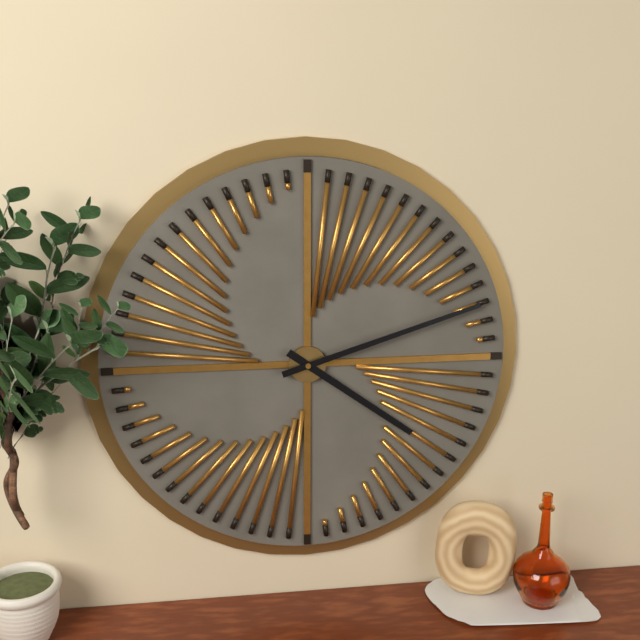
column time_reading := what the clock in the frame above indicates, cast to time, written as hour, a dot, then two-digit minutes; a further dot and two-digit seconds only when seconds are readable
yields 4.12
